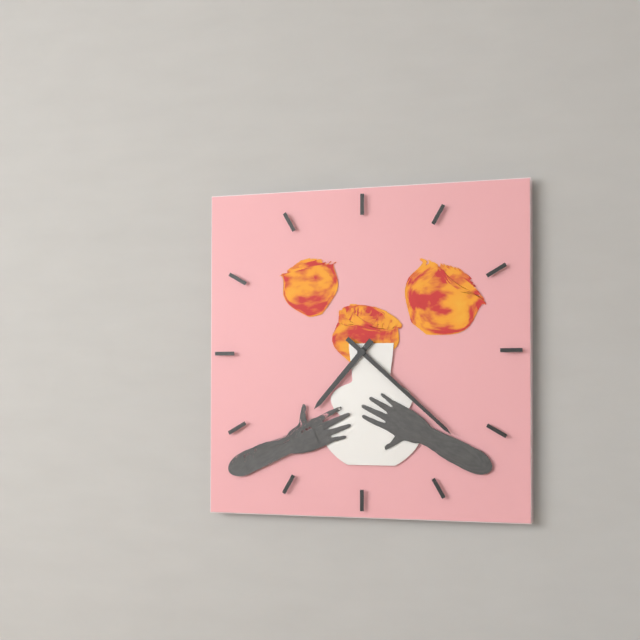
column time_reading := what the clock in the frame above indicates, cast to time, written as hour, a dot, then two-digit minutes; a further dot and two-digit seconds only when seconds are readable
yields 7.22
